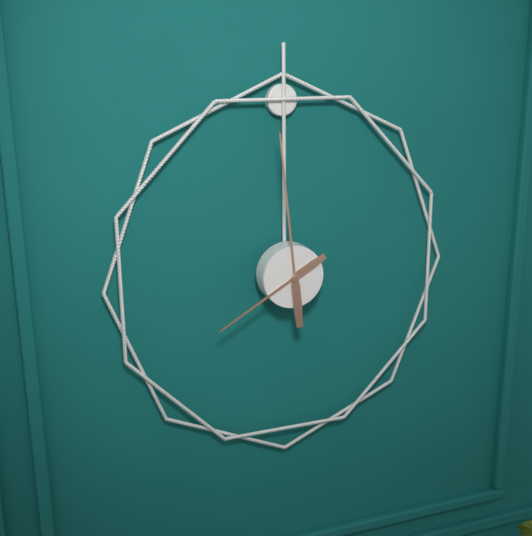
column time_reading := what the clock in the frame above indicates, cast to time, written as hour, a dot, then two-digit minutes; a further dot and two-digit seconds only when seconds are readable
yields 7.59
